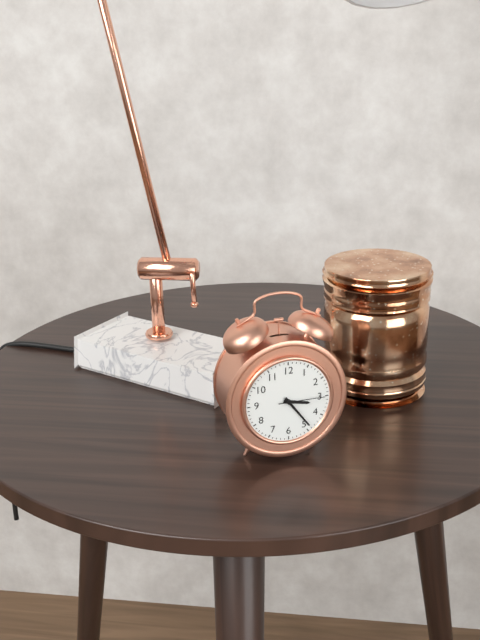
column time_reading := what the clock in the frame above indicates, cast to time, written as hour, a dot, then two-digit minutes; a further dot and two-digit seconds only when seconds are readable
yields 3.24
